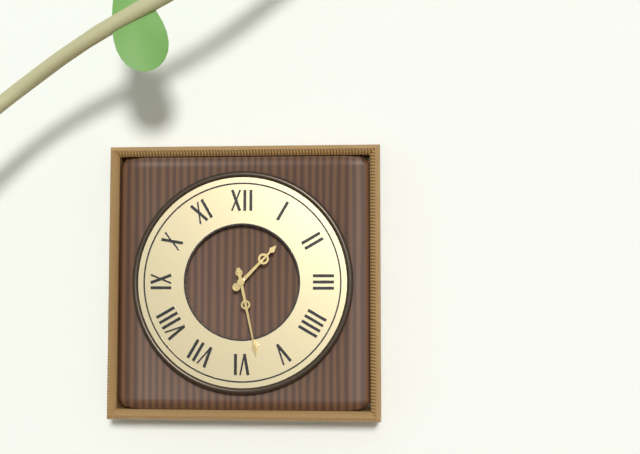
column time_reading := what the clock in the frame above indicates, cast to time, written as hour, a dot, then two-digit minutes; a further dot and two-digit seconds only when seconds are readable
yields 1.28
